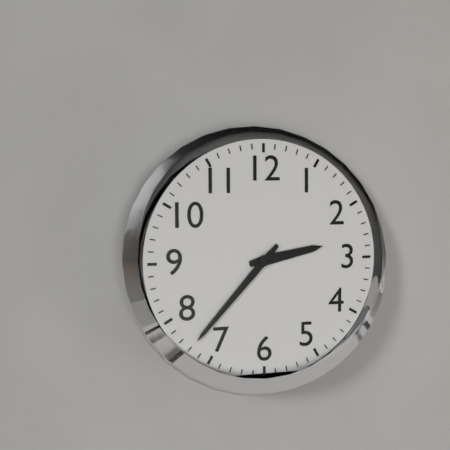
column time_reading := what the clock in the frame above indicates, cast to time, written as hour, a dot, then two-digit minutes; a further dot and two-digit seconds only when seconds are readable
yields 2.37
